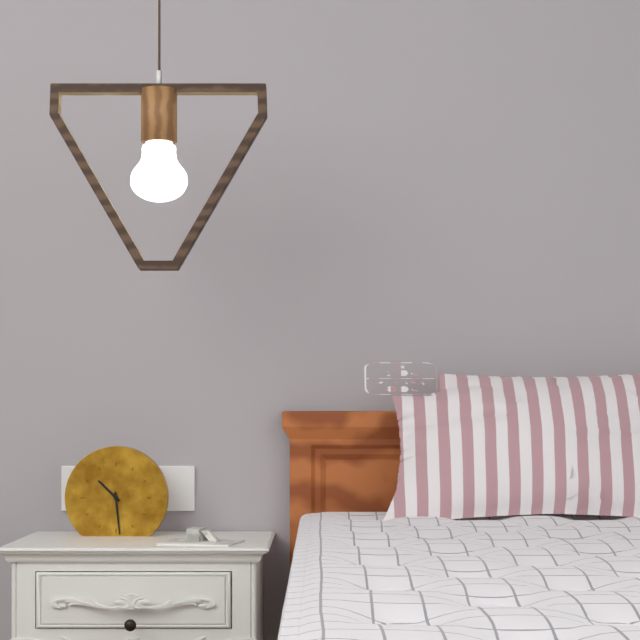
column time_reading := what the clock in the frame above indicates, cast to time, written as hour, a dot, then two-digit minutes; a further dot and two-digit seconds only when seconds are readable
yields 10.29
